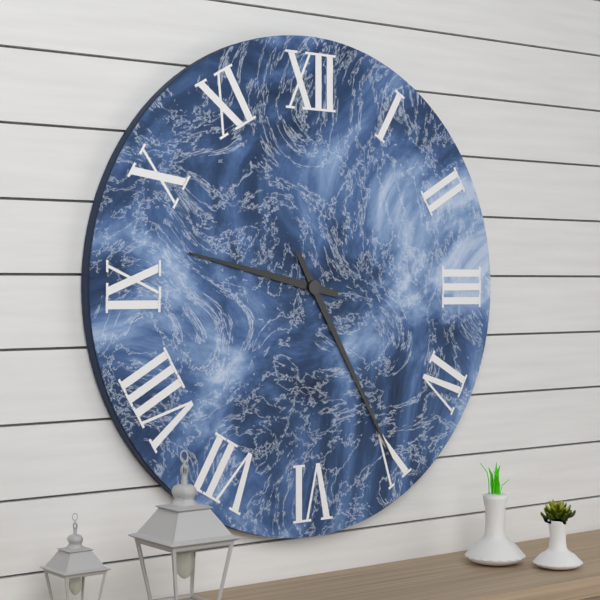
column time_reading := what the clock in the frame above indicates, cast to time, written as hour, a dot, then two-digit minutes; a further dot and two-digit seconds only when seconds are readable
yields 9.25
